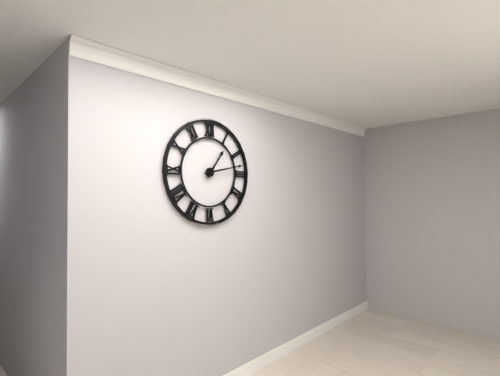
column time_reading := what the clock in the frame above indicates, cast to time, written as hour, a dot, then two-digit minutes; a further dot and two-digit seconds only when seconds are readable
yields 1.13
